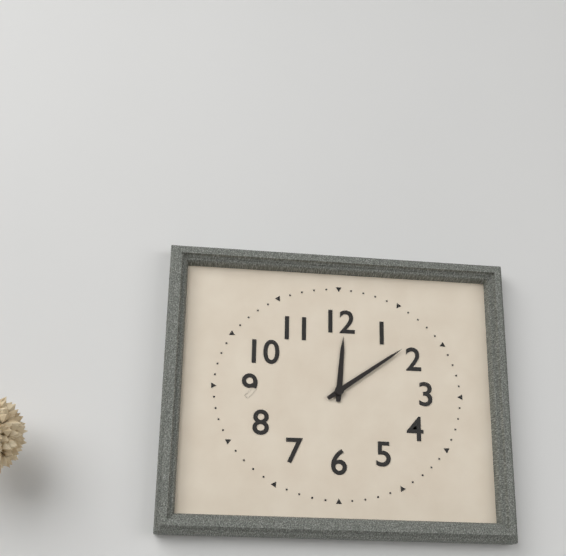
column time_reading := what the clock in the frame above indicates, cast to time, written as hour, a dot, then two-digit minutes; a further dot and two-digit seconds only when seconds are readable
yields 12.09
